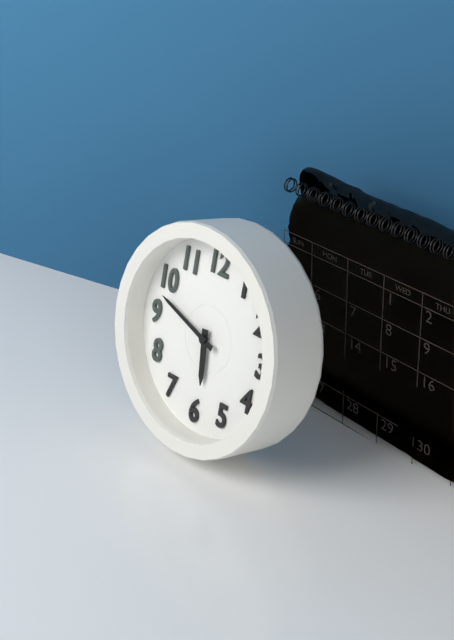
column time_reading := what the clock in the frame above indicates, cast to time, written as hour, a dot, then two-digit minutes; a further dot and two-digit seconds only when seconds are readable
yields 5.48
